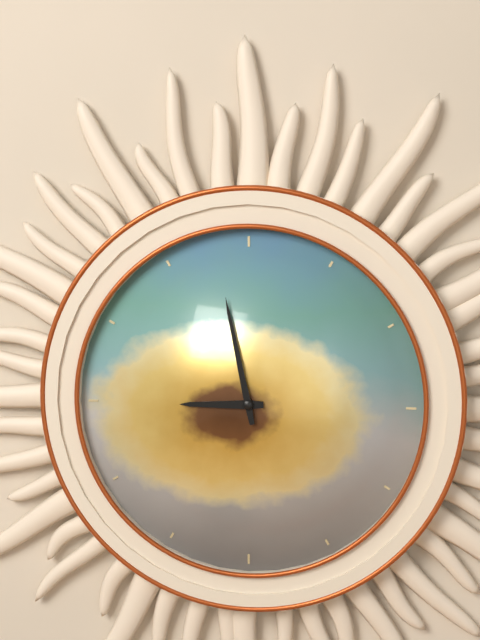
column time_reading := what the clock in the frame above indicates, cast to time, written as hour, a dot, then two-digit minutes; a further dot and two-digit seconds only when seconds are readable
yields 8.58
